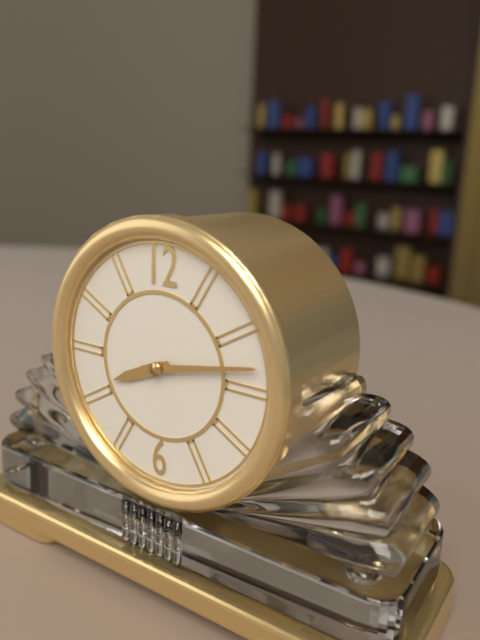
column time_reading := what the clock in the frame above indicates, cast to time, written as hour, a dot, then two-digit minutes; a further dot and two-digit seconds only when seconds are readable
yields 8.13
